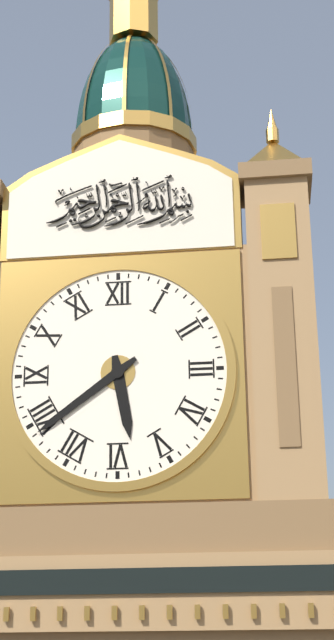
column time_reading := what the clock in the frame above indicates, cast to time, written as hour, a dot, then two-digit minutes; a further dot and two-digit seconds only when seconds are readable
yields 5.39
